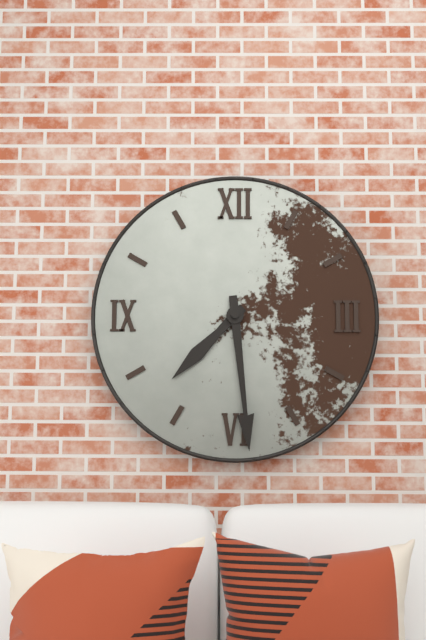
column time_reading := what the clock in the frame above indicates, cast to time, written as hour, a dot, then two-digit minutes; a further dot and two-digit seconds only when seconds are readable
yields 7.29
